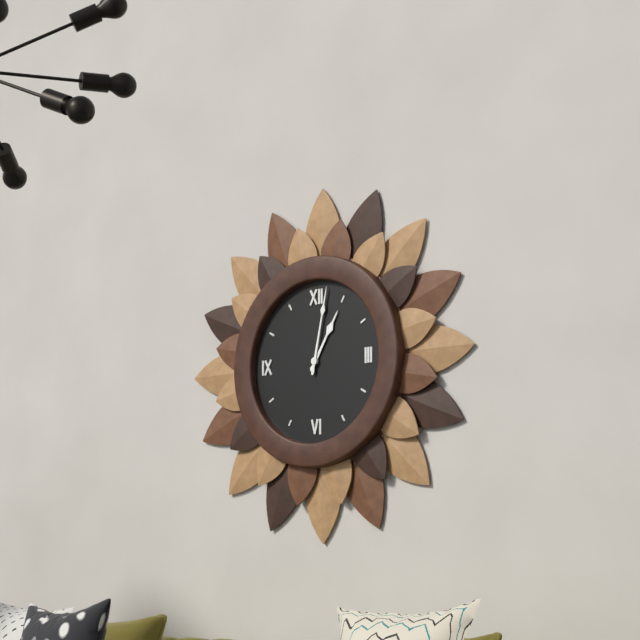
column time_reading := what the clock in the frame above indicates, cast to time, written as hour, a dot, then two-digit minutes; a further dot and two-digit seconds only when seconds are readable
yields 1.02
